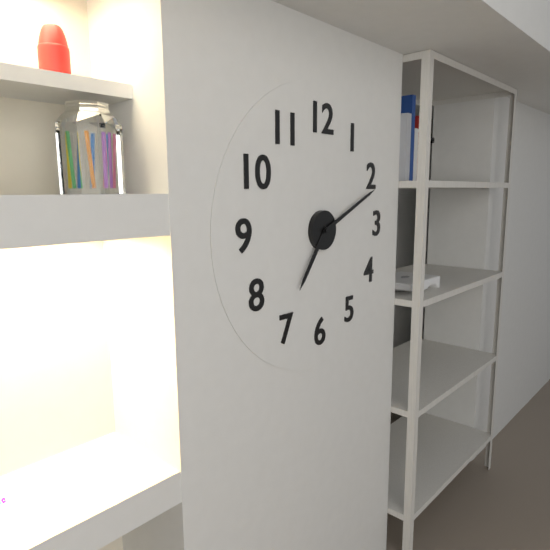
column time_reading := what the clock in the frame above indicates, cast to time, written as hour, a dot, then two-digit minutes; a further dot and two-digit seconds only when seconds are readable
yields 7.11
